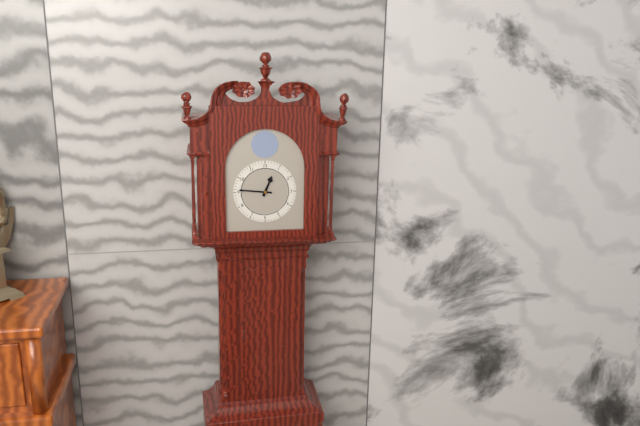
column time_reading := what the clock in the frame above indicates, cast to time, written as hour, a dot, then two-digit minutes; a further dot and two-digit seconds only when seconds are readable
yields 12.46
